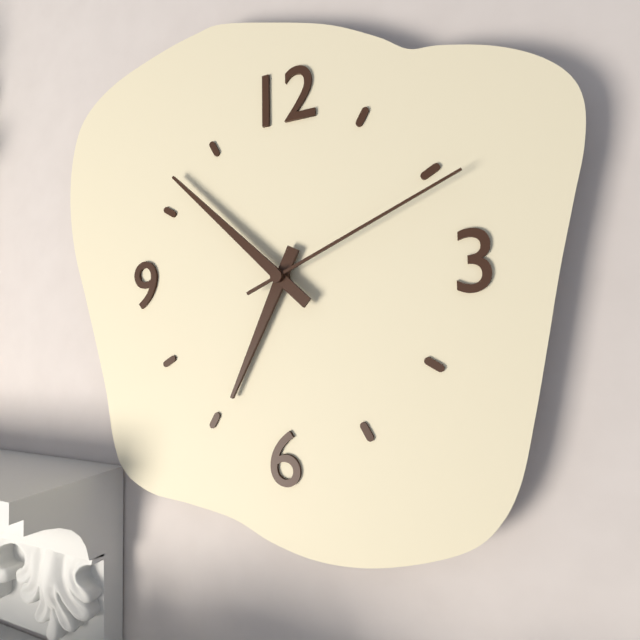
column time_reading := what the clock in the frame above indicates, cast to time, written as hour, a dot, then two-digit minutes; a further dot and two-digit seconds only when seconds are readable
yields 6.52.11
